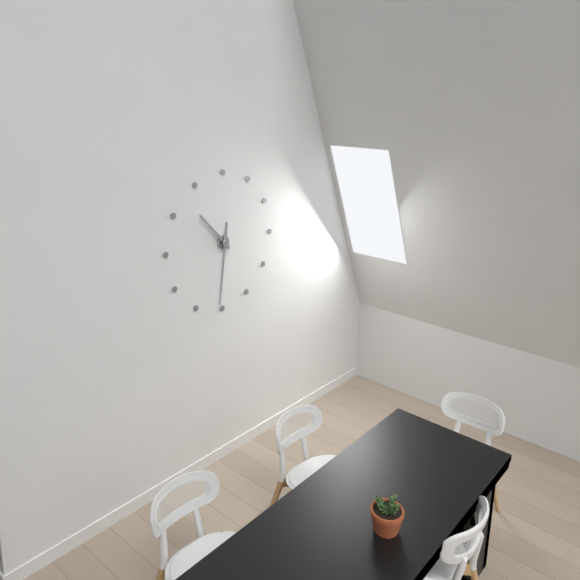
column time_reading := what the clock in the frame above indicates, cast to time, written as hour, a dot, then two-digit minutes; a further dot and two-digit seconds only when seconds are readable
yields 10.31
